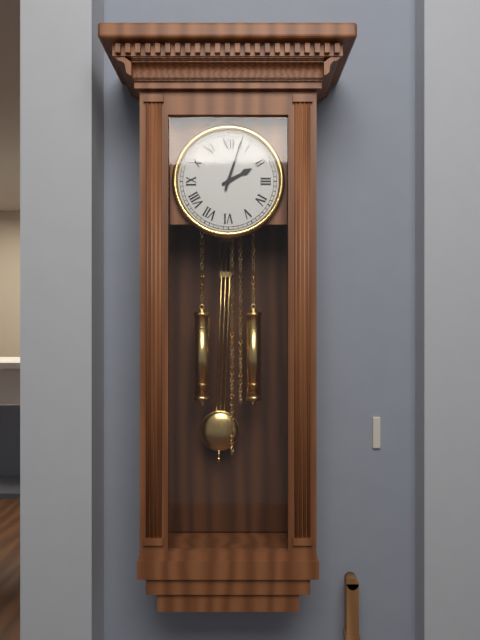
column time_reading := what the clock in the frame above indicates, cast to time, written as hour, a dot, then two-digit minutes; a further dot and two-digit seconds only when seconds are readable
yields 2.03
